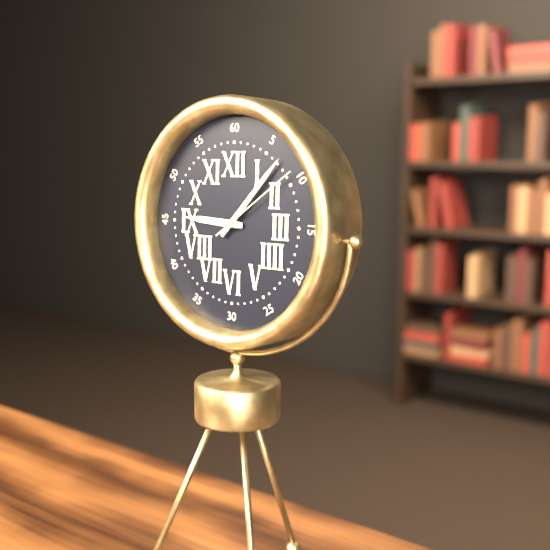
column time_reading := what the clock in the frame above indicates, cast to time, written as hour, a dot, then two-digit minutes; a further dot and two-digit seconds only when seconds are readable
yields 9.07.09
